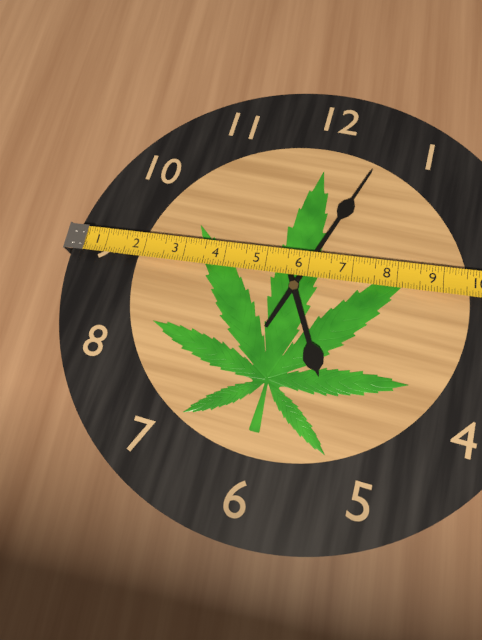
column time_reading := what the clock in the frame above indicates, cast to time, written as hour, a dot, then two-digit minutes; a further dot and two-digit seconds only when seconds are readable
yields 5.03
